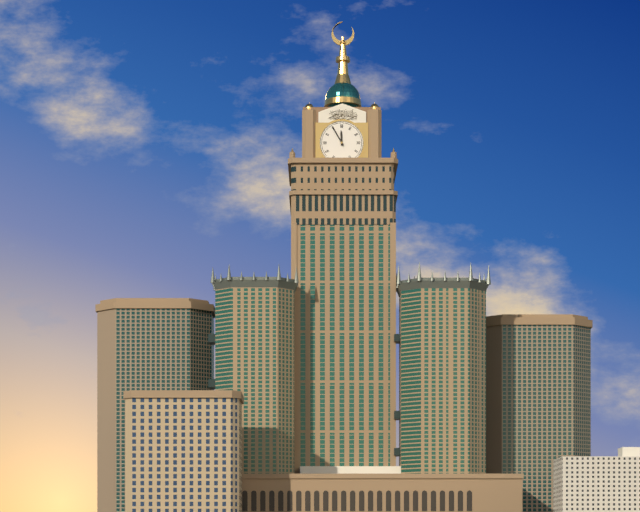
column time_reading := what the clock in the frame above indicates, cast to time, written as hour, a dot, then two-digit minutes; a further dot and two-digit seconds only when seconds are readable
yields 11.55
